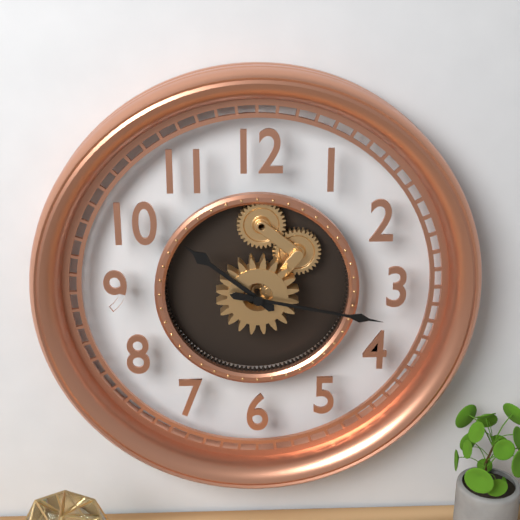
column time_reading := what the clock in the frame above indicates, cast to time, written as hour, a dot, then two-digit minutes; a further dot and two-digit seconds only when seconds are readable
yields 10.17
